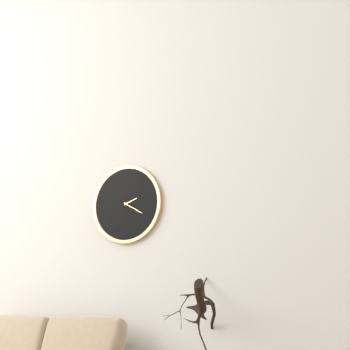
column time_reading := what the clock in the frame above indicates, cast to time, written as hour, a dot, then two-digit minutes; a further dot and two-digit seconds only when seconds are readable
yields 2.20
